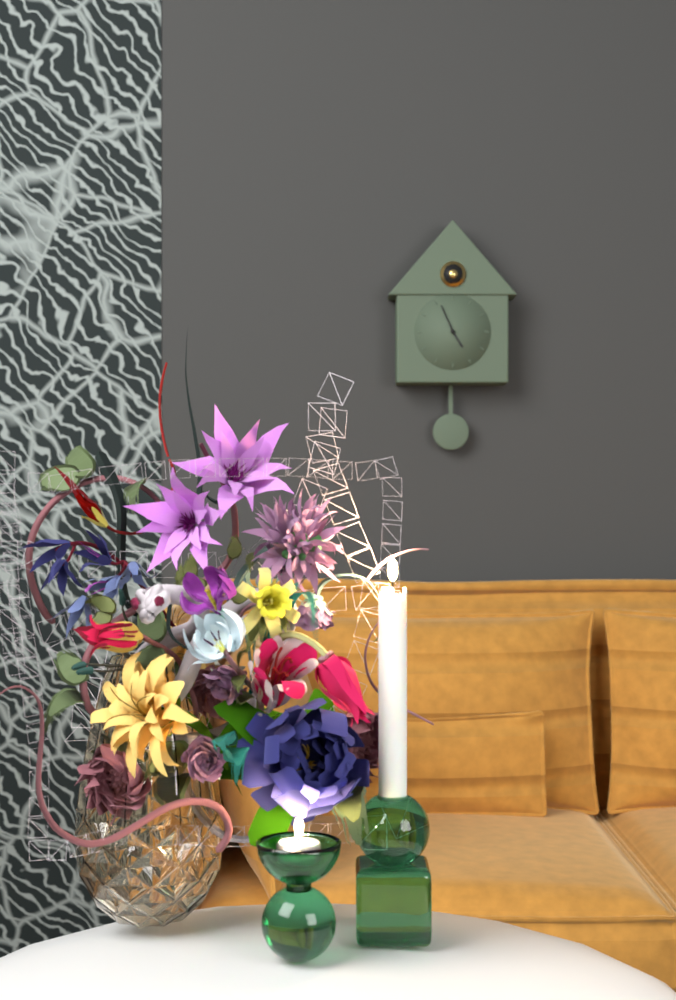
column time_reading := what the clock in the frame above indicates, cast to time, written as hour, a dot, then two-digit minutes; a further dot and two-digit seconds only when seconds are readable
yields 4.56
